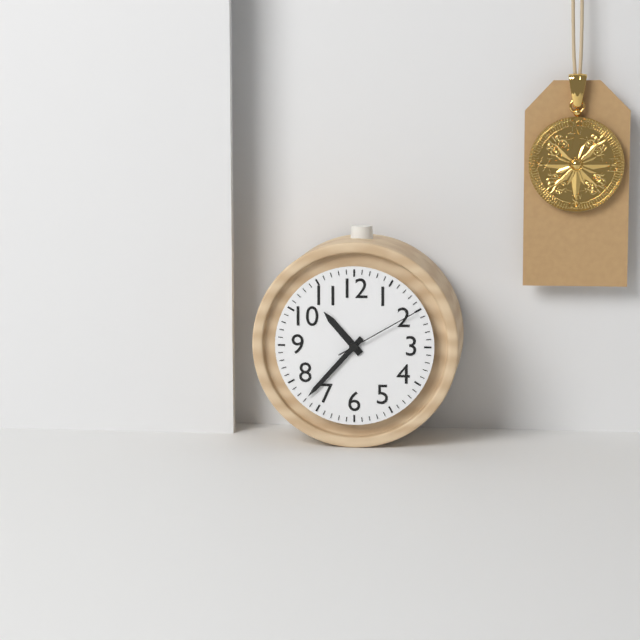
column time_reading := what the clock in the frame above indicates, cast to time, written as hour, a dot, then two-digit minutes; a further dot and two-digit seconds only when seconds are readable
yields 10.37.10
